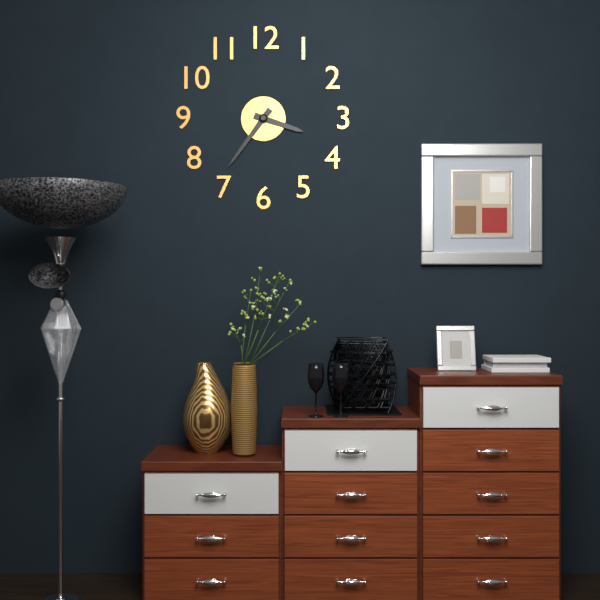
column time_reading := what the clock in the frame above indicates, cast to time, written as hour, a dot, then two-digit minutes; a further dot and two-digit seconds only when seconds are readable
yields 3.36
